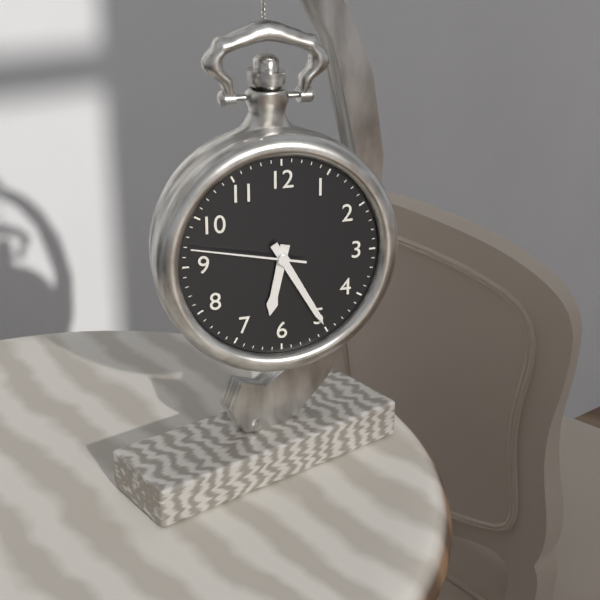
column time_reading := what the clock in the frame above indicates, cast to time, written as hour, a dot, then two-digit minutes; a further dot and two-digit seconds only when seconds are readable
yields 6.25.47
